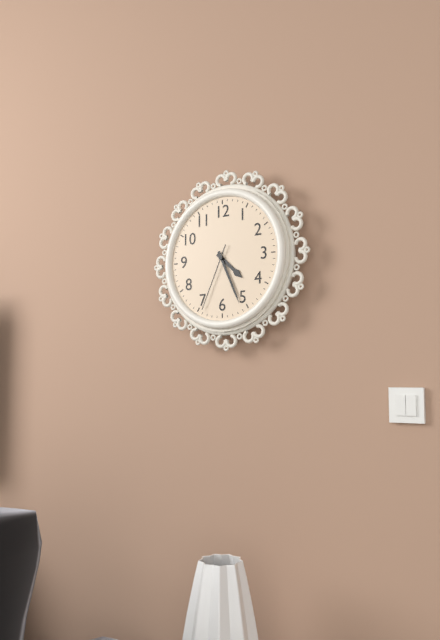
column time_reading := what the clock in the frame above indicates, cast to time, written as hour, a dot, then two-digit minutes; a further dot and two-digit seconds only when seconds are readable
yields 4.26.34
